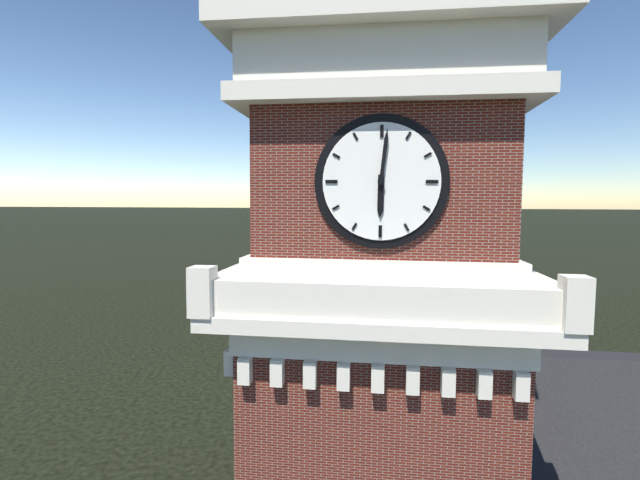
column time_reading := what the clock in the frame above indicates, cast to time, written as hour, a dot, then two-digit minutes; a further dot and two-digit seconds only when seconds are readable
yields 6.01
